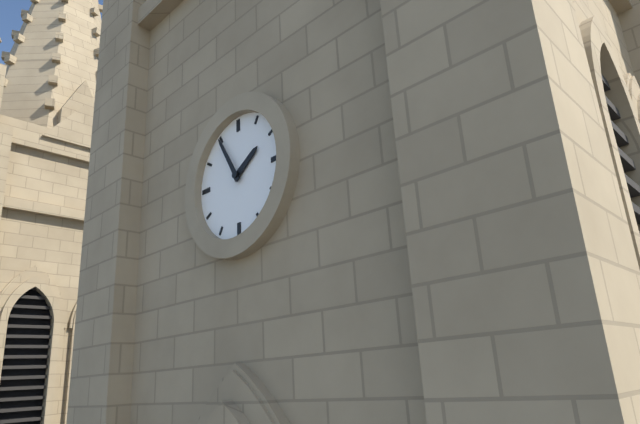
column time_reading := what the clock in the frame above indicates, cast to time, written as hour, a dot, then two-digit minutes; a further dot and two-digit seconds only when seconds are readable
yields 1.55
